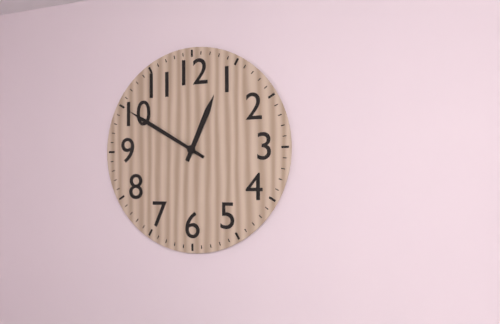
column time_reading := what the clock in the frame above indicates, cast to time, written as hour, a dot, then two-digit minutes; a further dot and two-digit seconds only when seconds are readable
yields 12.50
